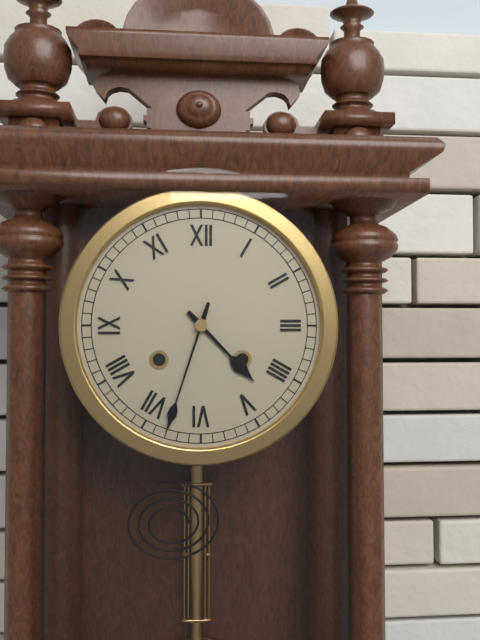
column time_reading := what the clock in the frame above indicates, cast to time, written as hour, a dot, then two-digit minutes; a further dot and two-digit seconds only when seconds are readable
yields 4.33
